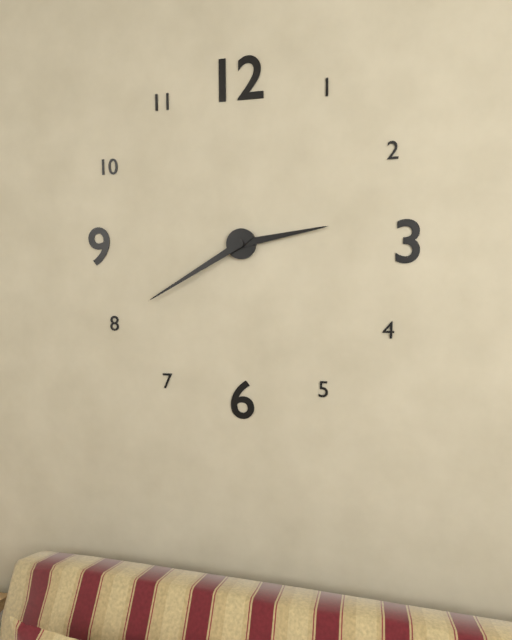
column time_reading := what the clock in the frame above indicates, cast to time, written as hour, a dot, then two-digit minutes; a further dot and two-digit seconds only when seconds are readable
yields 2.40
